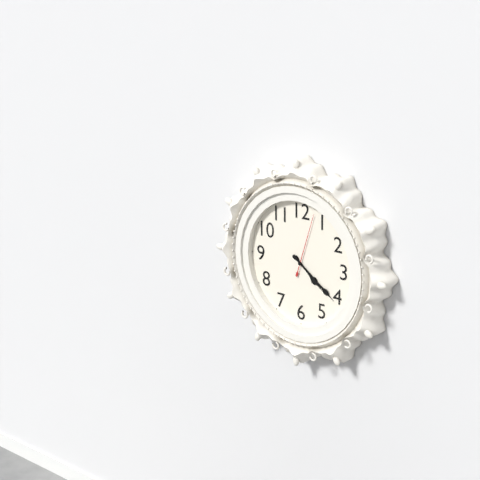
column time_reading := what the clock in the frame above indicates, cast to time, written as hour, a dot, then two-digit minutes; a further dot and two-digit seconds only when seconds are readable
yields 4.21.03
